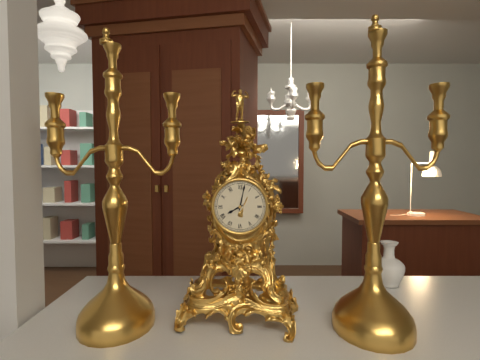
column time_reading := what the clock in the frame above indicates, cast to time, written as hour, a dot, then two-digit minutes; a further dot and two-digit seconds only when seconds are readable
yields 8.02
